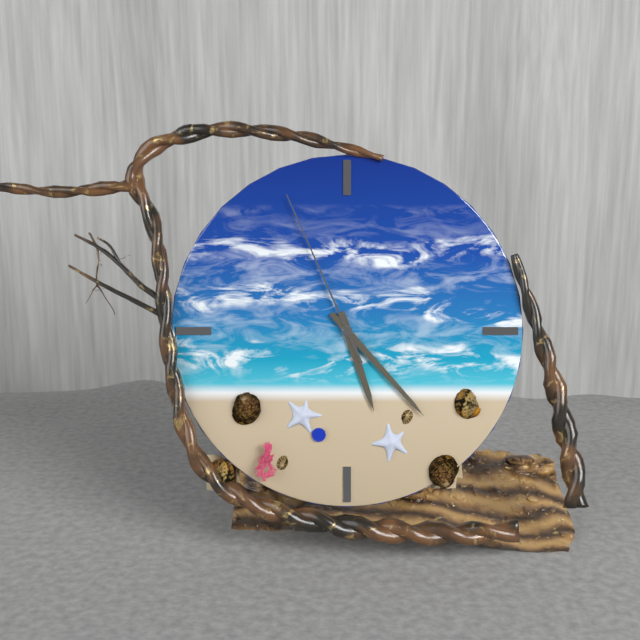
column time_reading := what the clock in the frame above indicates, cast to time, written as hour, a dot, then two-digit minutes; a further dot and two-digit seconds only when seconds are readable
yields 5.23.56
